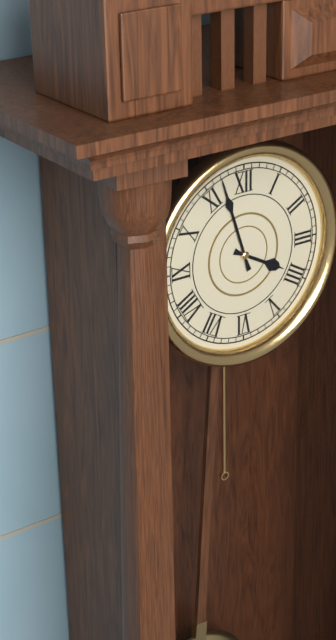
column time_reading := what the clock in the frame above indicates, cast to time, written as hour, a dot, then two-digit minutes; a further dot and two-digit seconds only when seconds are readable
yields 3.57
